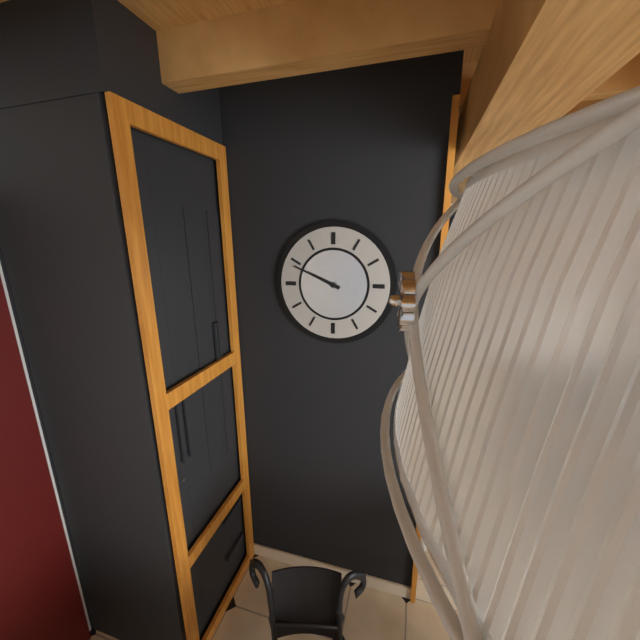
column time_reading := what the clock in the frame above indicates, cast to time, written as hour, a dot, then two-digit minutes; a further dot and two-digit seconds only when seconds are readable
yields 9.49
